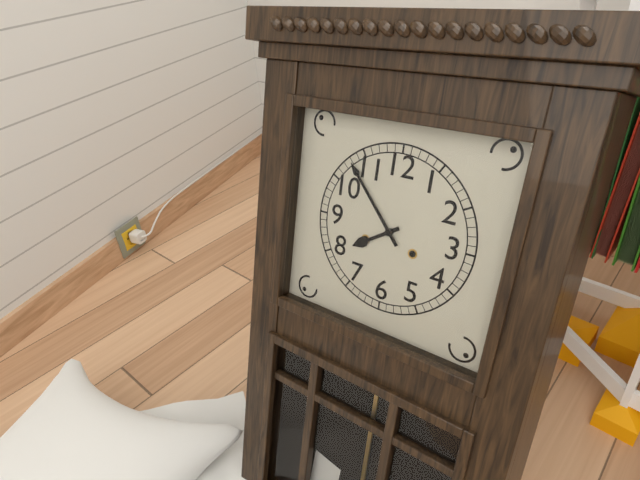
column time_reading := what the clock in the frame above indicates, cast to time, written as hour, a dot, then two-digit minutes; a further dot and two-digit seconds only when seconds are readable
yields 7.53
